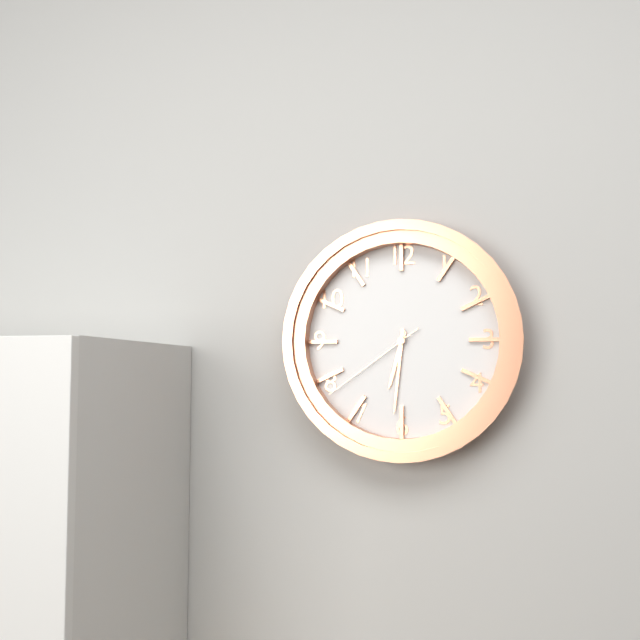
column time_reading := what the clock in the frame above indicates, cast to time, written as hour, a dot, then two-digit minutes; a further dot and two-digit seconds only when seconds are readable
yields 6.31.39
